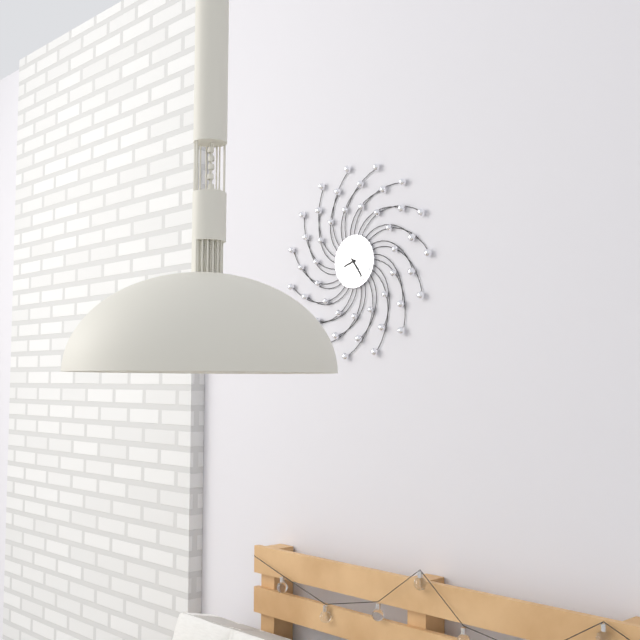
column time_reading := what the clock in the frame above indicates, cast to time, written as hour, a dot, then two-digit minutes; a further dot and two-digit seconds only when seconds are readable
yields 8.24
